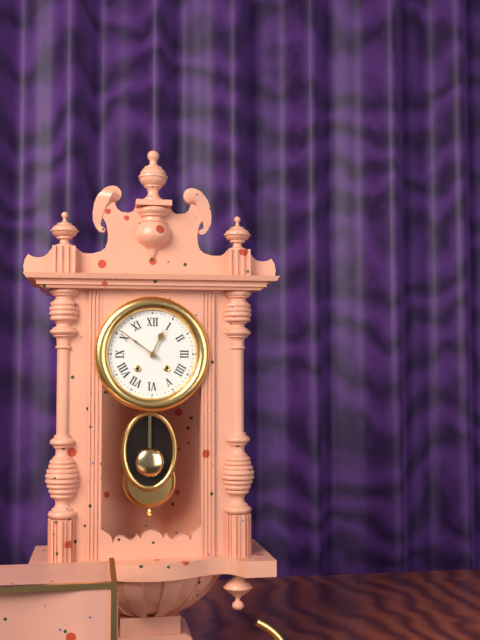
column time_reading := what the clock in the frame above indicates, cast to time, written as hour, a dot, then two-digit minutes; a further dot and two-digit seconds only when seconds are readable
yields 12.51
